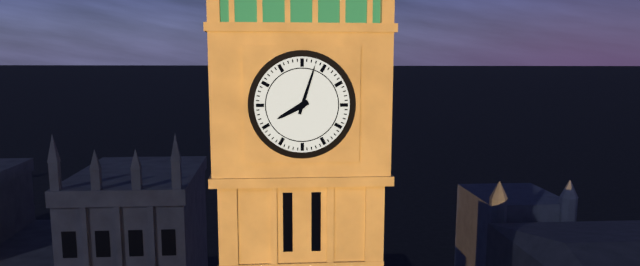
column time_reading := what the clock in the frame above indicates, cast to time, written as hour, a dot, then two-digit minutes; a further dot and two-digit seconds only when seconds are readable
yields 8.03
